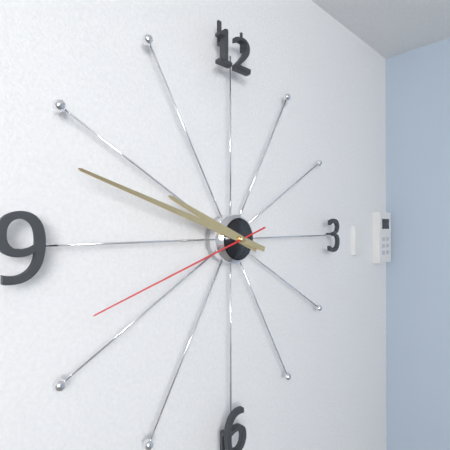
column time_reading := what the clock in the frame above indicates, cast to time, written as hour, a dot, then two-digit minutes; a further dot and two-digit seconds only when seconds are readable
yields 9.48.42
